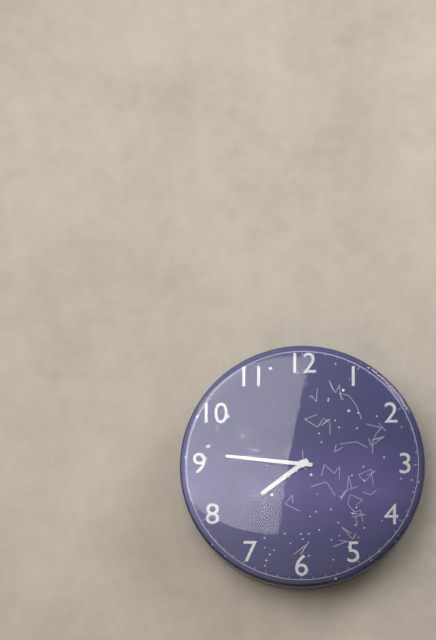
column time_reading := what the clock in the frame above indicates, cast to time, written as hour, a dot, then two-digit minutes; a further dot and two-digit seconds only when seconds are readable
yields 7.46
